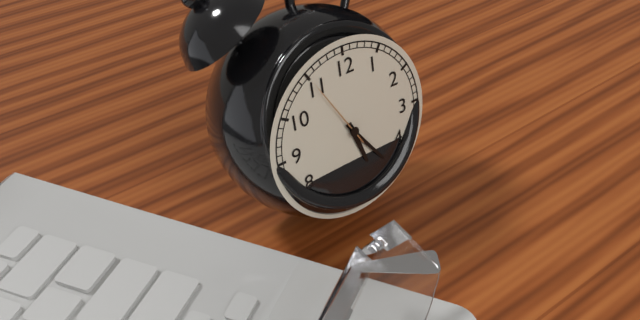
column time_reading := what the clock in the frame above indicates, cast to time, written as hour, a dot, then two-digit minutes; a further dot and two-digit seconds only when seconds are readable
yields 5.24.55
